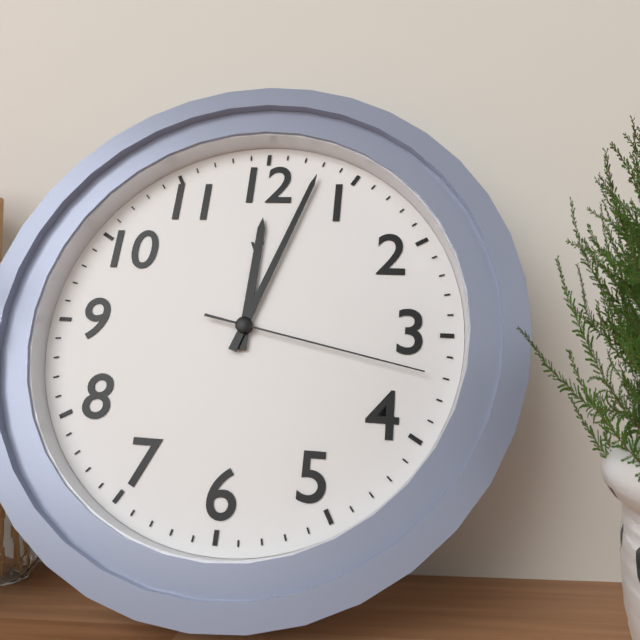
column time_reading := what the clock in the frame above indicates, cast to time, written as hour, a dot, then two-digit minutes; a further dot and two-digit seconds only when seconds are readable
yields 12.03.17
